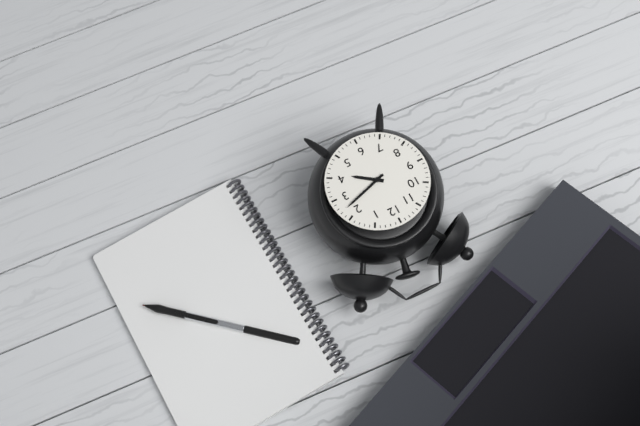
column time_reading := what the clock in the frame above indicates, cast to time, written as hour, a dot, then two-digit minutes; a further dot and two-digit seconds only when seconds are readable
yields 4.12
